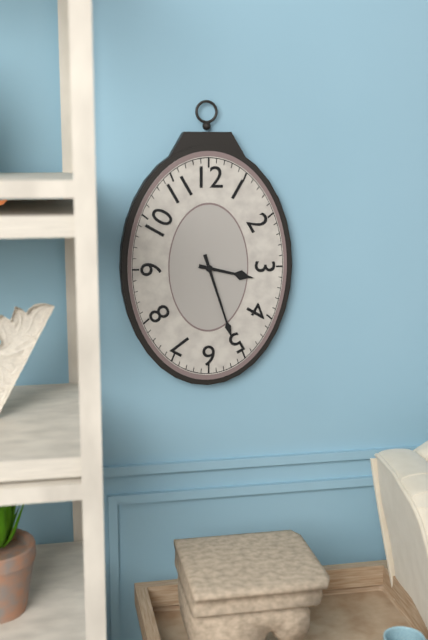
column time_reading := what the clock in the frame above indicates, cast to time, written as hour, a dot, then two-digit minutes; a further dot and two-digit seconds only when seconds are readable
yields 3.27
